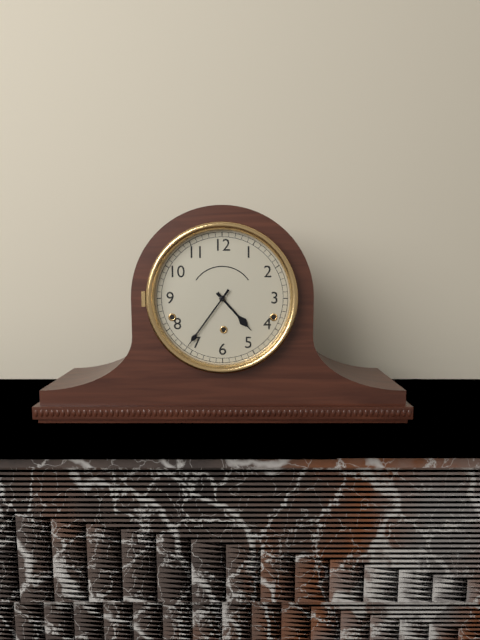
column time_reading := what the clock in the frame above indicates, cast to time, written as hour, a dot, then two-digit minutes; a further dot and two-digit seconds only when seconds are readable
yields 4.36
